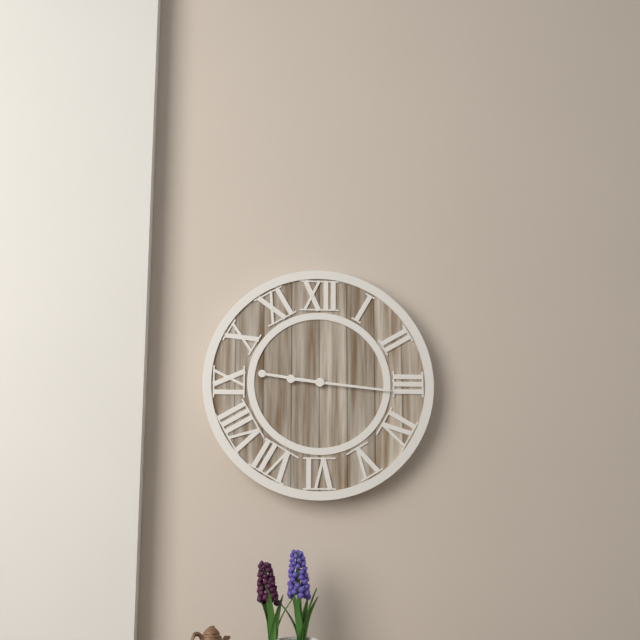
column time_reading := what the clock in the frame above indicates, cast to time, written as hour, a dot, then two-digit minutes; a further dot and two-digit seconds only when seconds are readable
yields 9.16
